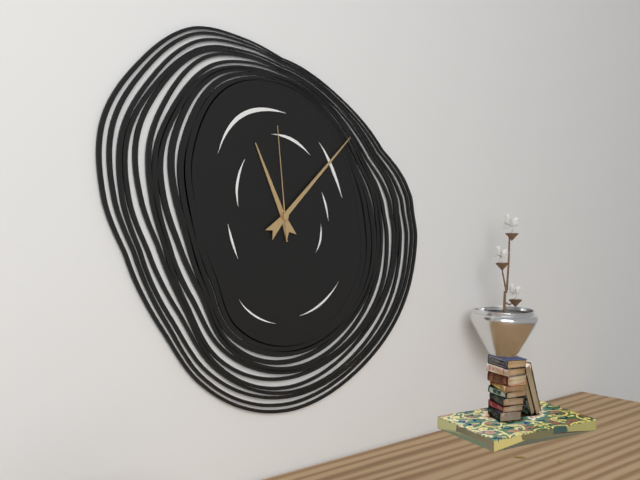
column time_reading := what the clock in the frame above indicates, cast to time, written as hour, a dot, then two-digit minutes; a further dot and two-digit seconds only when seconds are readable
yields 11.08.59
